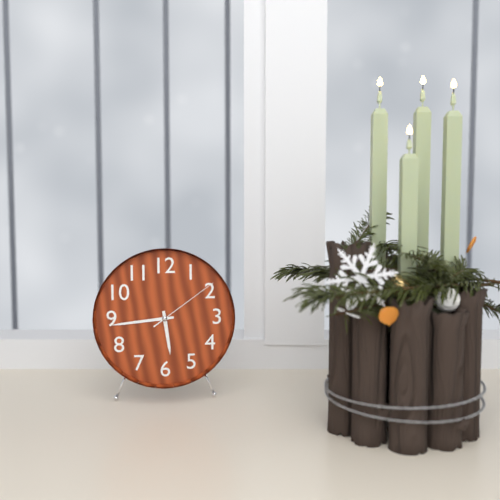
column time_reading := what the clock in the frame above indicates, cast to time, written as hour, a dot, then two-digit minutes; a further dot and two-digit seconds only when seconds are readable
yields 5.44.09
